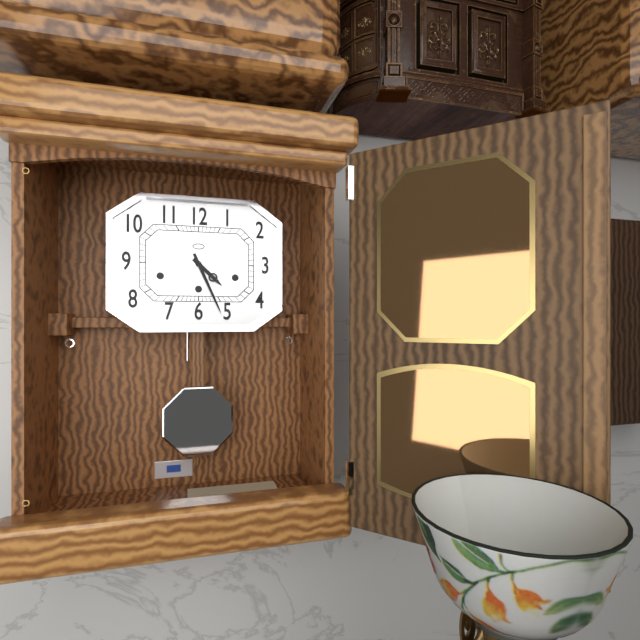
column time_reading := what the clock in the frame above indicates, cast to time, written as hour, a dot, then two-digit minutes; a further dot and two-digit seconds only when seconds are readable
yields 4.26
